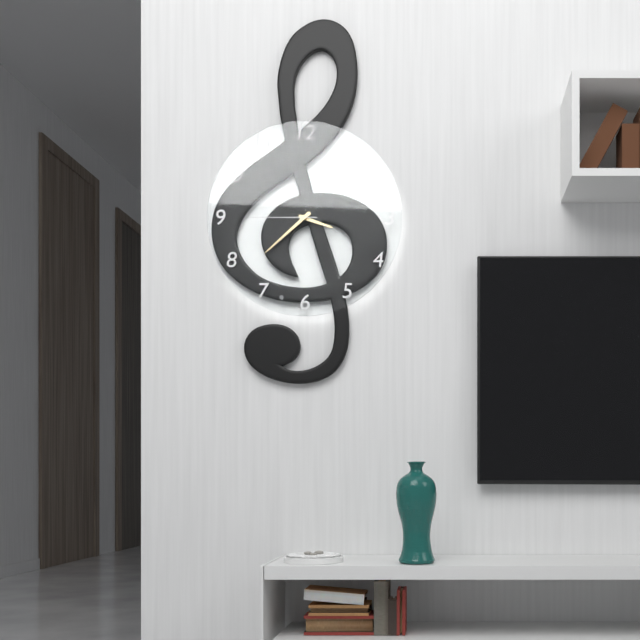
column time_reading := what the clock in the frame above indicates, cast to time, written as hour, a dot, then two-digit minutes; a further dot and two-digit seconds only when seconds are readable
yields 3.38.45
